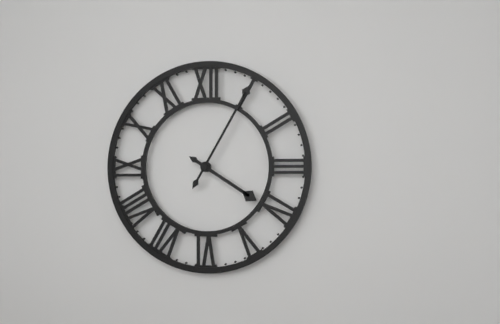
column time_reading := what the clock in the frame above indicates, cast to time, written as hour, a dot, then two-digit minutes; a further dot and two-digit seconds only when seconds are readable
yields 4.05
